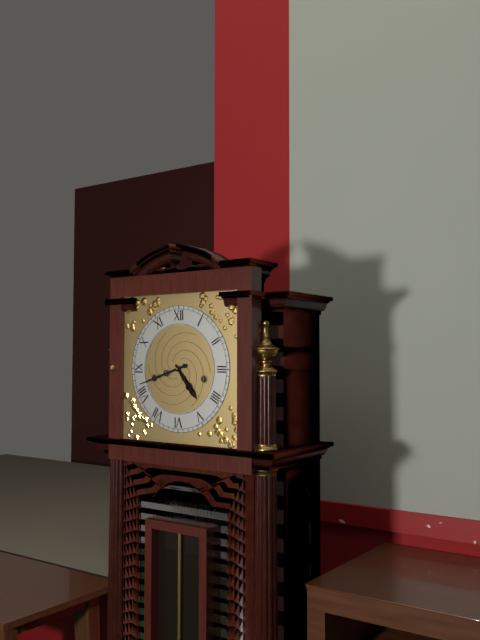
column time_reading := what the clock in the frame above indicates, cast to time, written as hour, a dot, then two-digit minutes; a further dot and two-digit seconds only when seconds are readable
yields 4.42
